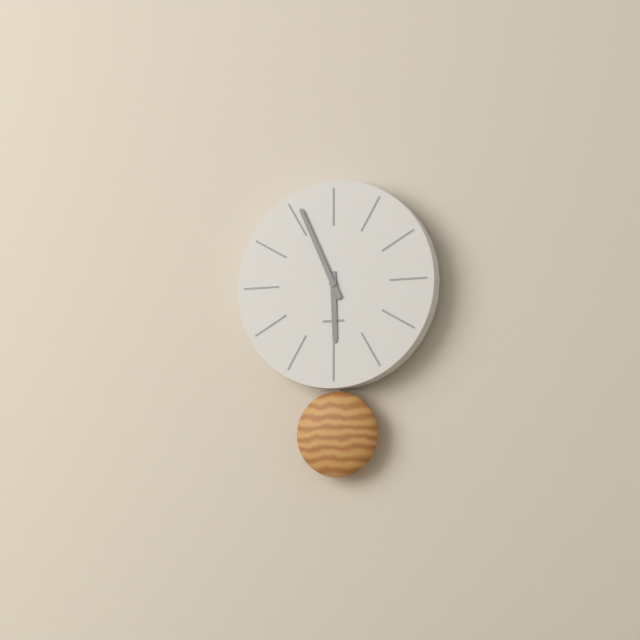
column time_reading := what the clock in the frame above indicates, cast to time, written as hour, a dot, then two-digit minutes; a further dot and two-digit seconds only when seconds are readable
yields 5.56
